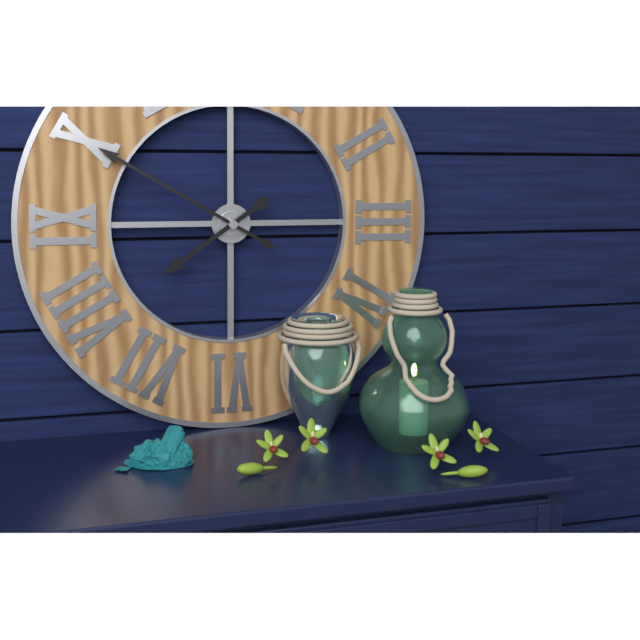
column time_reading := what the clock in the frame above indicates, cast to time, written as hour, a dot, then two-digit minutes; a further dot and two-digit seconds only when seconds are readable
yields 7.50
